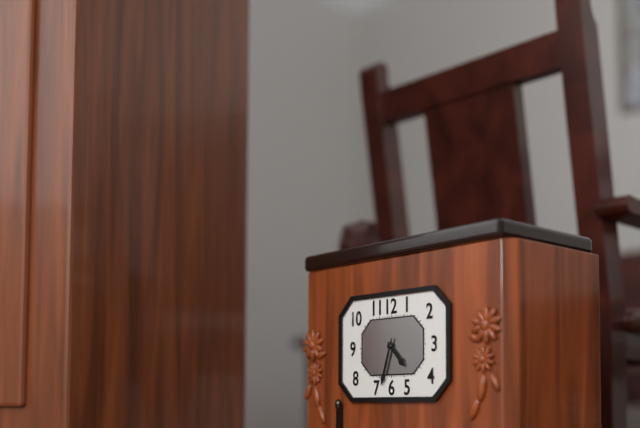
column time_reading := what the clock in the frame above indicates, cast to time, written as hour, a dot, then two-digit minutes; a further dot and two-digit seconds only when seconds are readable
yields 4.33
